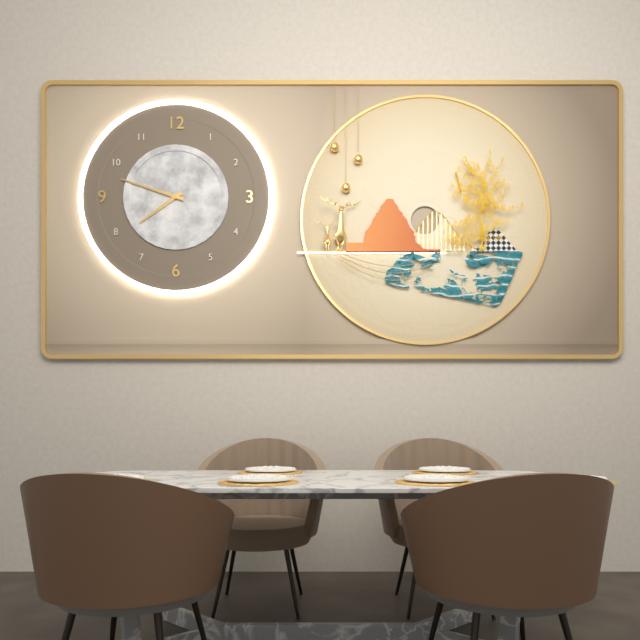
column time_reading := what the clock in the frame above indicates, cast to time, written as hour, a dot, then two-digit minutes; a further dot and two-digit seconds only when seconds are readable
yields 7.48
